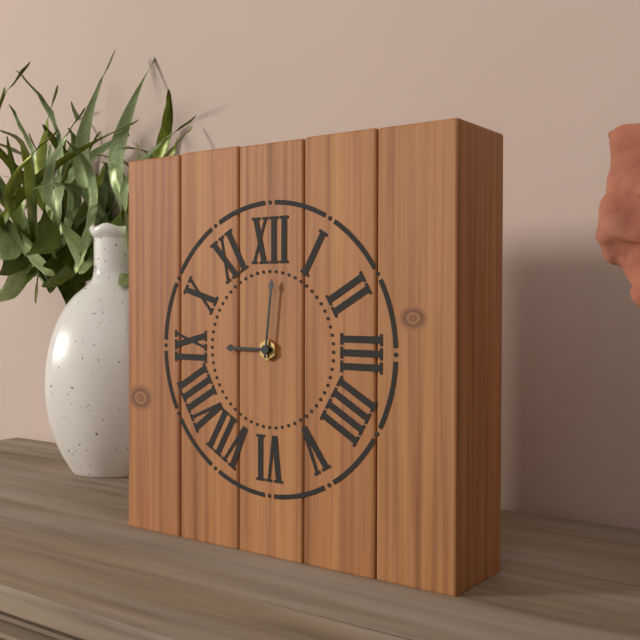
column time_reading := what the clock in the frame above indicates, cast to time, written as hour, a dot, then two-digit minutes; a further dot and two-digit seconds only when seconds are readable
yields 9.01
